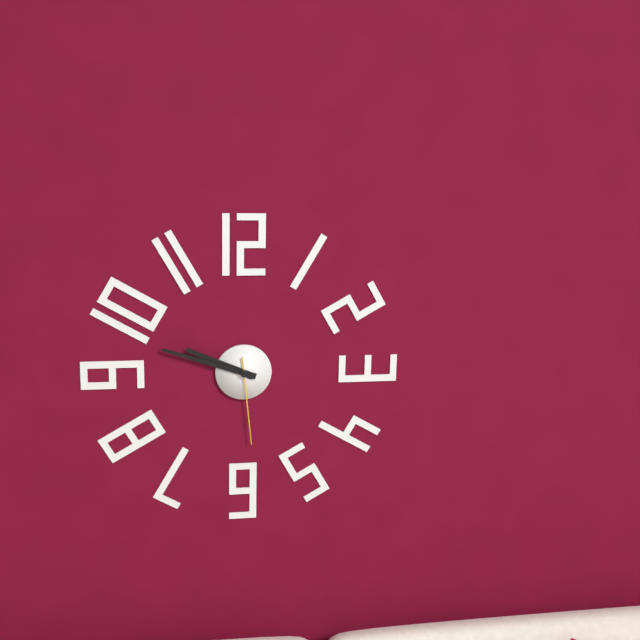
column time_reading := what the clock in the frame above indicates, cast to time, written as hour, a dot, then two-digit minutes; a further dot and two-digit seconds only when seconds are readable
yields 9.48.29
